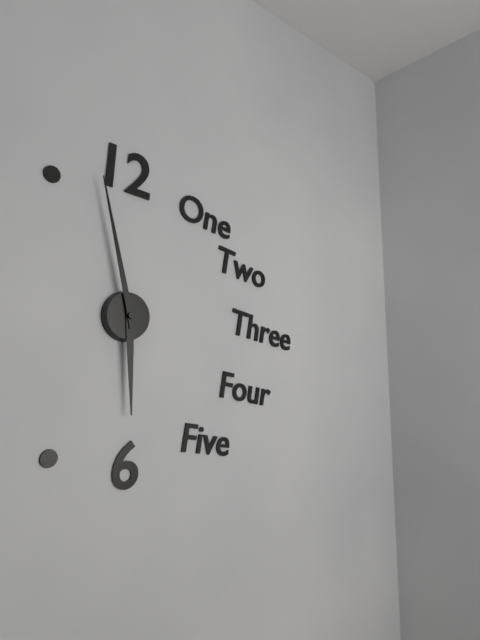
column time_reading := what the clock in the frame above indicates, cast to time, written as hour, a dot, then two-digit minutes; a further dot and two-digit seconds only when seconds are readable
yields 5.58
